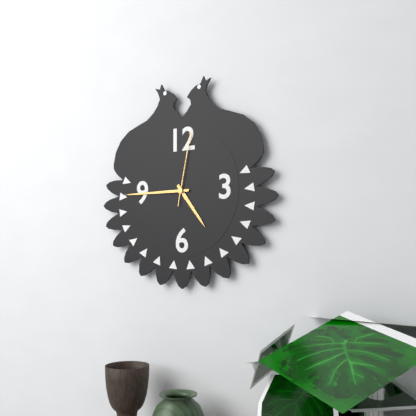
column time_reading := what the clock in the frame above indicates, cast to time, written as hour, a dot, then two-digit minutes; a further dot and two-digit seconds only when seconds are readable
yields 4.45.02
